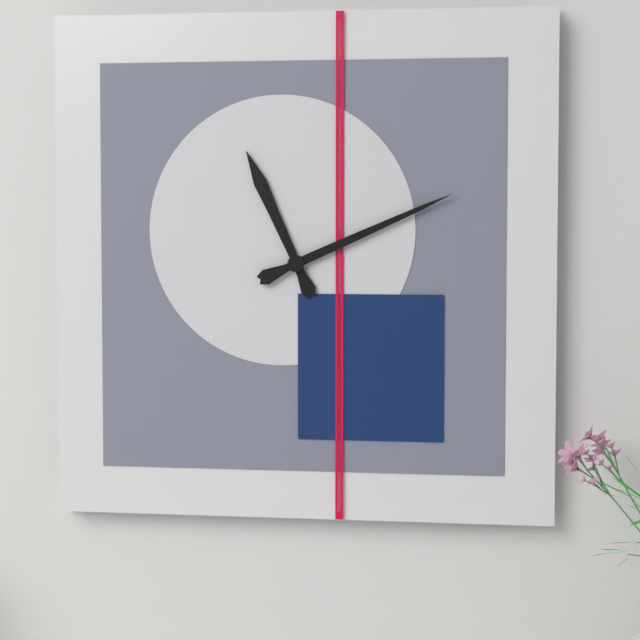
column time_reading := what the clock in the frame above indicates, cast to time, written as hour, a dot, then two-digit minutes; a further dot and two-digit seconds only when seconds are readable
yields 11.11
